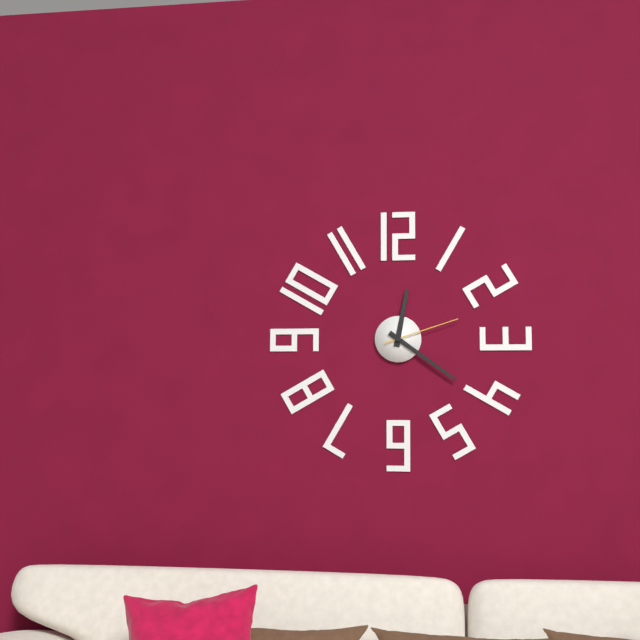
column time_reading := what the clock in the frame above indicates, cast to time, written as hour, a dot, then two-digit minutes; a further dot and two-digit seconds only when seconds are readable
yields 12.21.12
